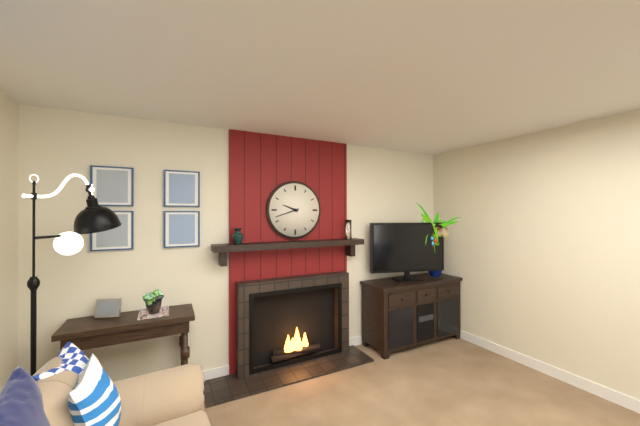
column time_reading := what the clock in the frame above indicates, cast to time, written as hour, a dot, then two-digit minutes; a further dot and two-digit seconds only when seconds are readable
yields 9.42
